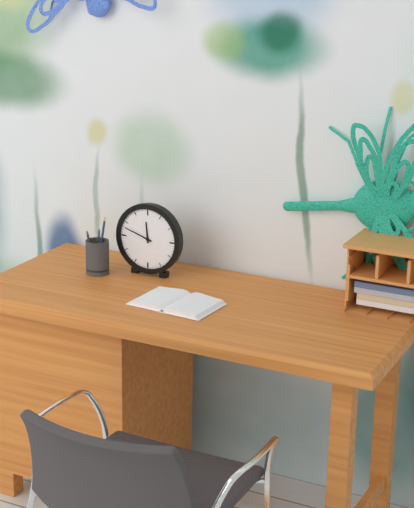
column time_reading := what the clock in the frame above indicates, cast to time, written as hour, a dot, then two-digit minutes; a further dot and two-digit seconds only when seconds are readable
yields 11.48
